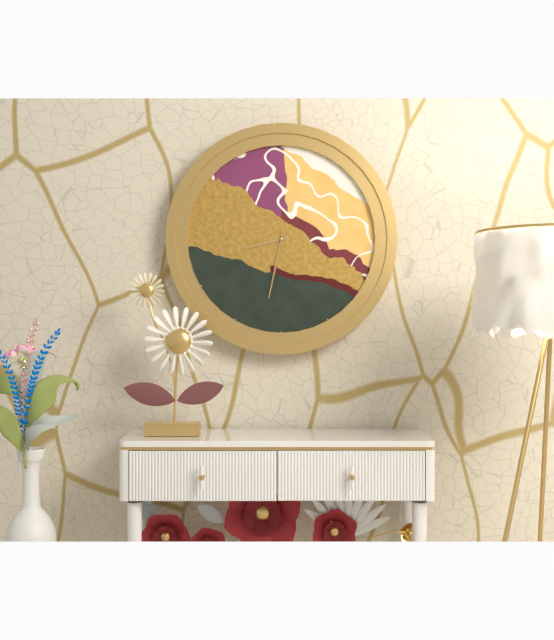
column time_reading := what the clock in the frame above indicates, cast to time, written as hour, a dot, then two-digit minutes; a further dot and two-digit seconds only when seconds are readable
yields 8.32
